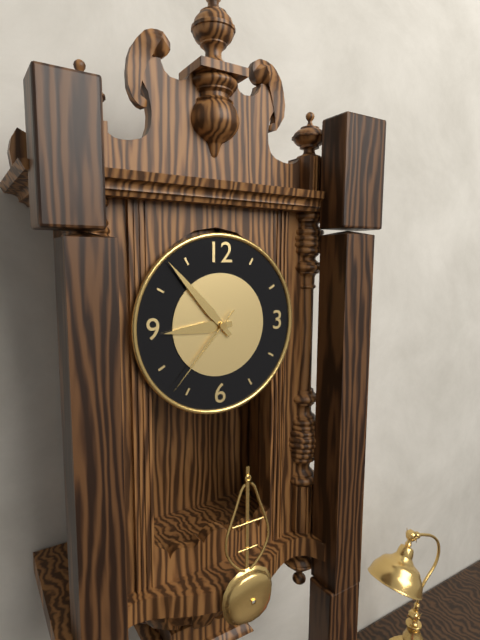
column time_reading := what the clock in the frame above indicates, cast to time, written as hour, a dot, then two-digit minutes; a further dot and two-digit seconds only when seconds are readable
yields 8.53.37
